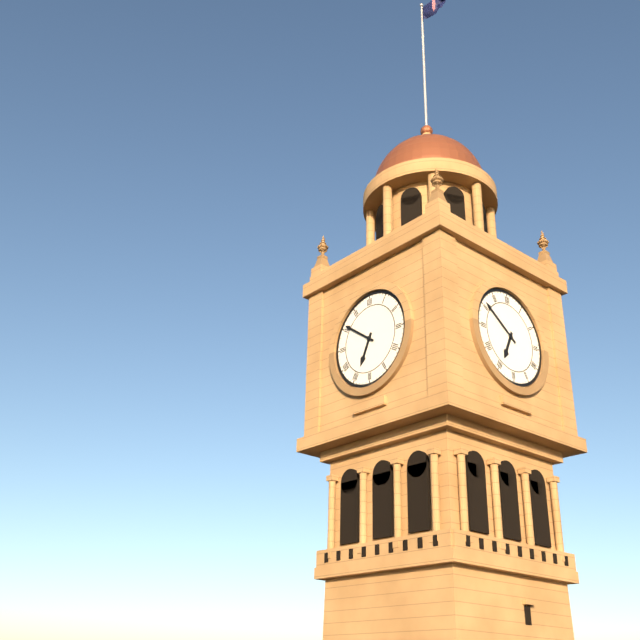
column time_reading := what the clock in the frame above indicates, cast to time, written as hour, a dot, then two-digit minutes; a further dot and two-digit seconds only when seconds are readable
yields 6.51
